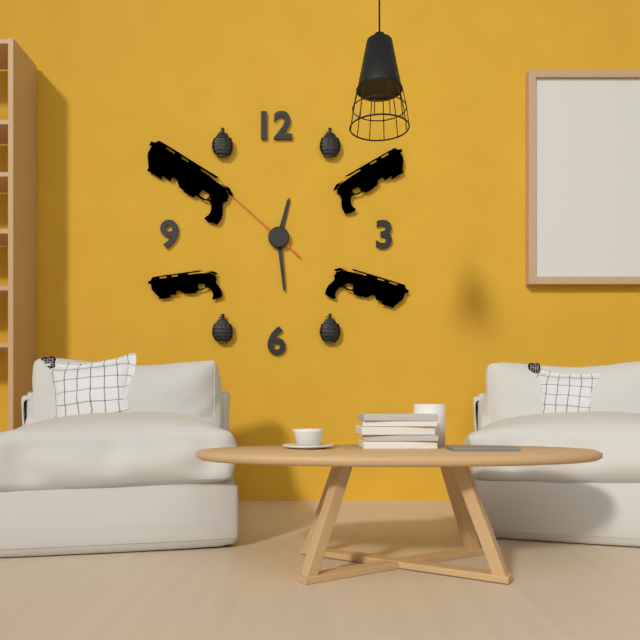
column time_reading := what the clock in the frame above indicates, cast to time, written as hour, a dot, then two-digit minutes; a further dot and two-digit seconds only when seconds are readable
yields 12.29.52
